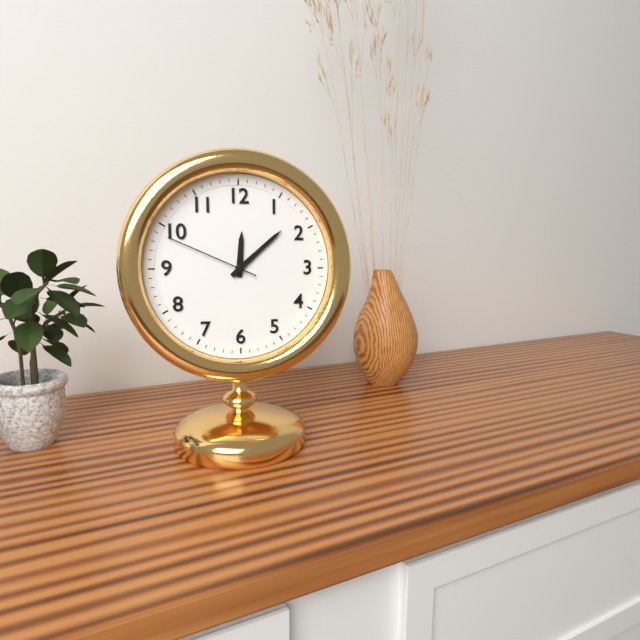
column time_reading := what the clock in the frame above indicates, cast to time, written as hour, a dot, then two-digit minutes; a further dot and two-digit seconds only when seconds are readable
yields 12.08.49
